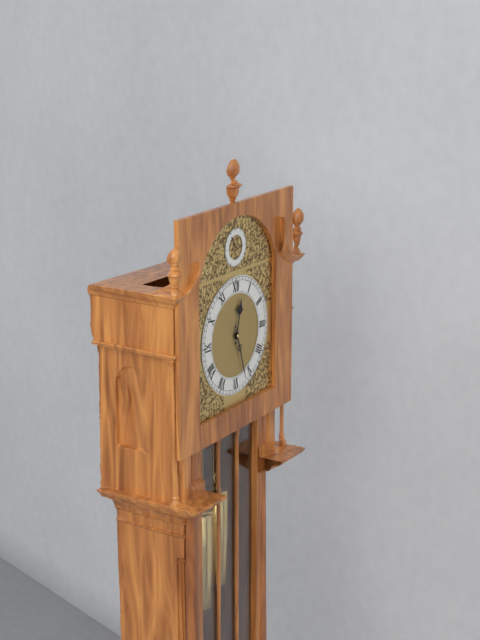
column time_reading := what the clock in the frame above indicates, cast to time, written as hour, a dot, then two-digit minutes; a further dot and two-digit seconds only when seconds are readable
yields 12.27
